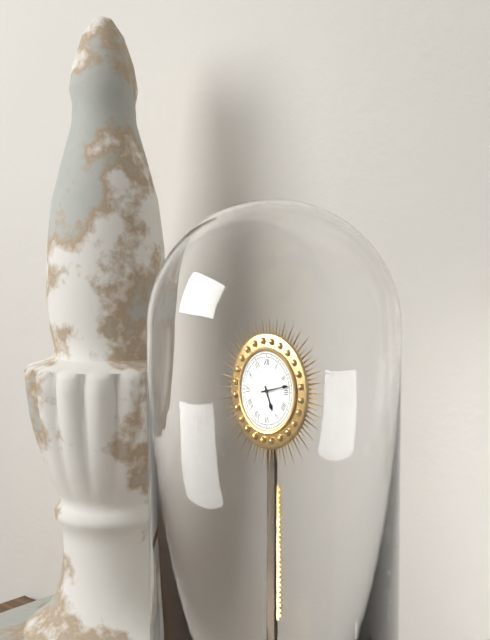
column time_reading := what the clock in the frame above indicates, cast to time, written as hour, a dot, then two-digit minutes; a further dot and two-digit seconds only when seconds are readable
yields 5.13
